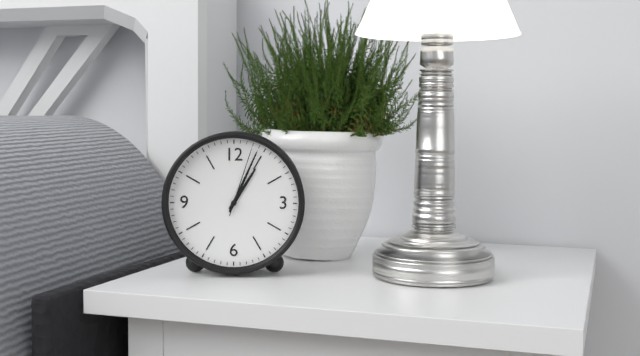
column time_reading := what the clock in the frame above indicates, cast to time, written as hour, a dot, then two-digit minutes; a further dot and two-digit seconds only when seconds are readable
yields 1.04.03
